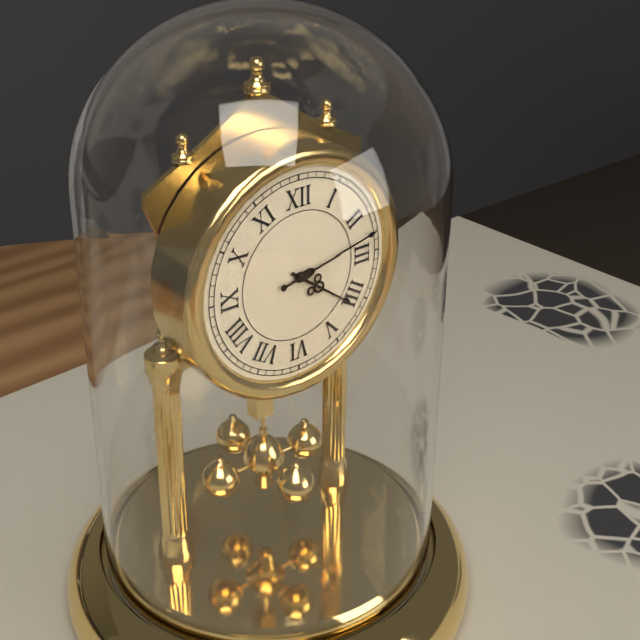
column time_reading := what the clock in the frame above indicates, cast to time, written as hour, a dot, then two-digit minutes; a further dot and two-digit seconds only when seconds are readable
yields 4.13
